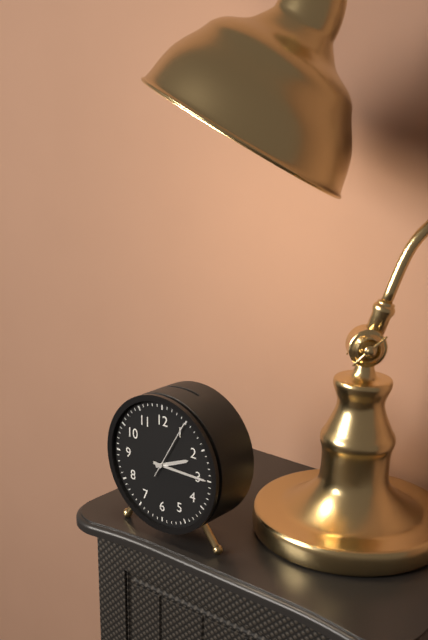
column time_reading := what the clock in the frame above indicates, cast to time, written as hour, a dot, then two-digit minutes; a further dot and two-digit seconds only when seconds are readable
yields 2.15.05
